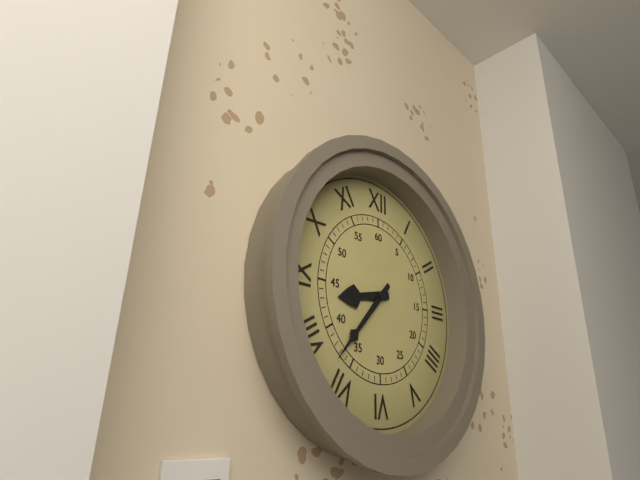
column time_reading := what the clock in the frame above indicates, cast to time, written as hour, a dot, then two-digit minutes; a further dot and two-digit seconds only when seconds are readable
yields 8.37
